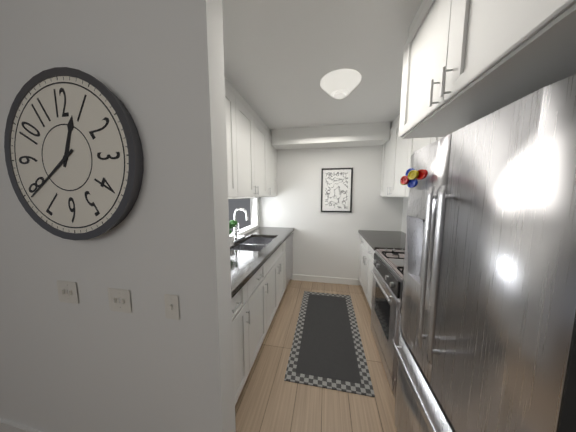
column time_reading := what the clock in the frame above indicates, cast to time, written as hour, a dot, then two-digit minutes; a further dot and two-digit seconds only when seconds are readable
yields 12.39
